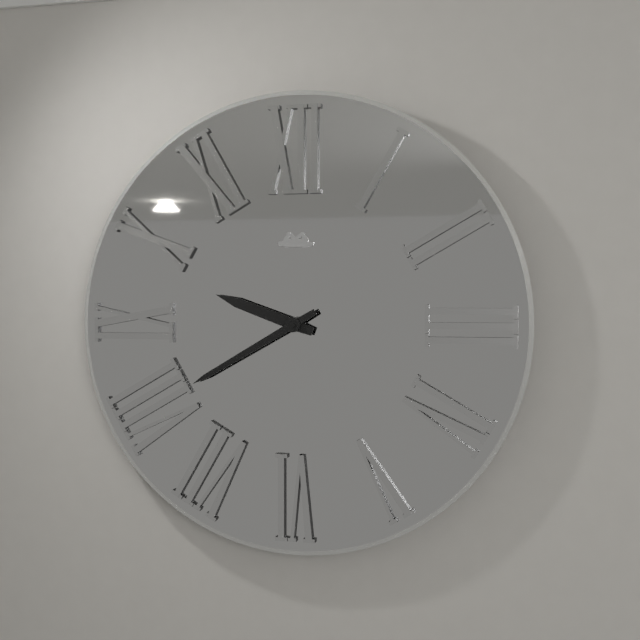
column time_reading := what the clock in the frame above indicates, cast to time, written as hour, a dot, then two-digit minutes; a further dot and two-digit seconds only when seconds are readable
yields 9.40
